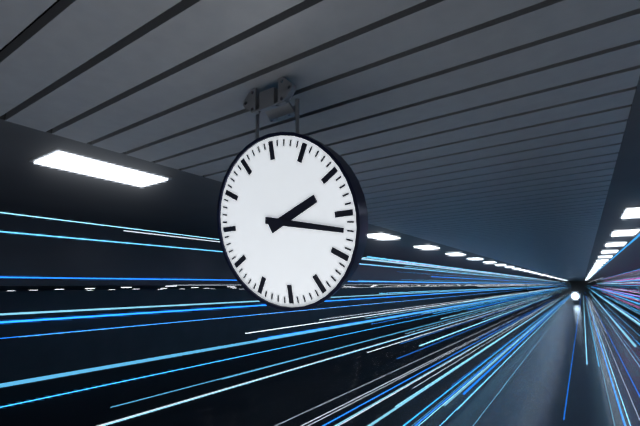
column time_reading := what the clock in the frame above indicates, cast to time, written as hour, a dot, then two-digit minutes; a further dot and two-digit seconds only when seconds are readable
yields 2.17
